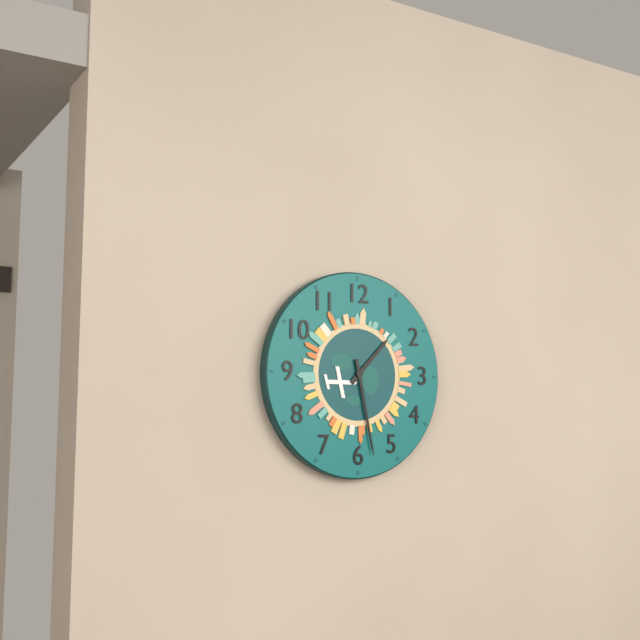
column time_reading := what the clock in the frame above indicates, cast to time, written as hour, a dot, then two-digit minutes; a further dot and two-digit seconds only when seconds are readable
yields 1.28
